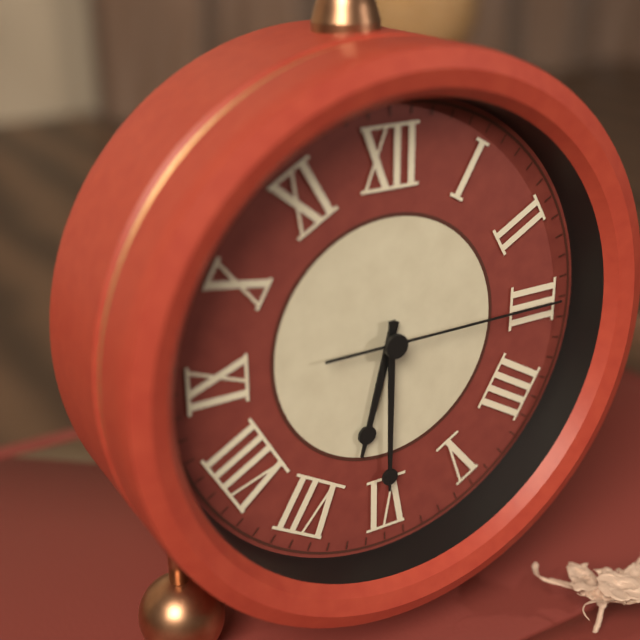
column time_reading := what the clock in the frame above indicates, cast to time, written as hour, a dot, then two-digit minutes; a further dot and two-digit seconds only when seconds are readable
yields 6.30.15
